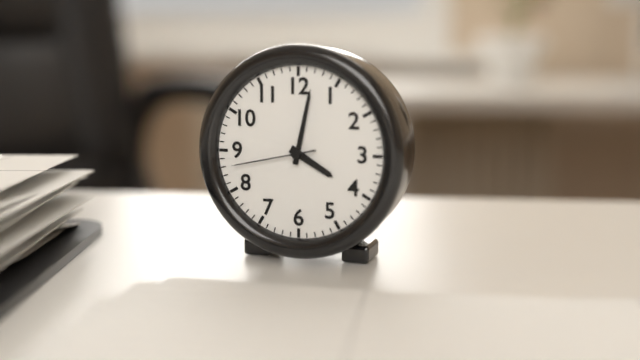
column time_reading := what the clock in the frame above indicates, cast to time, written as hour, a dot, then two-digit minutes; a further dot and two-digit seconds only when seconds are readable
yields 4.02.43
